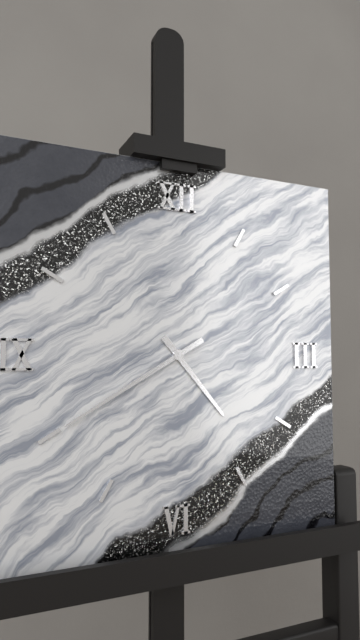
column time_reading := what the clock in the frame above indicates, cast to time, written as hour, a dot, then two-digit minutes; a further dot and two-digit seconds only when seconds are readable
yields 4.40
